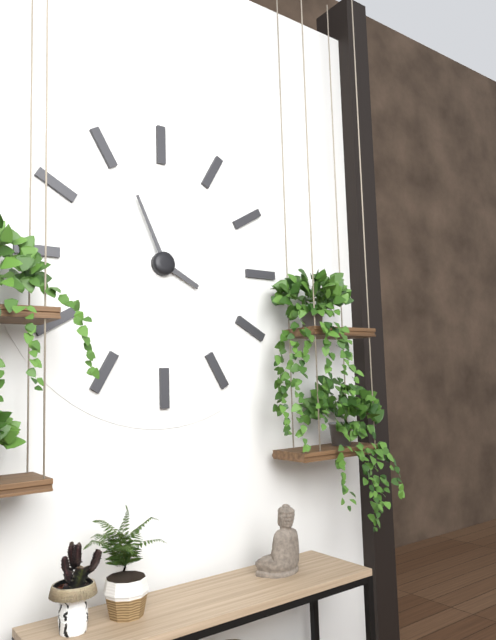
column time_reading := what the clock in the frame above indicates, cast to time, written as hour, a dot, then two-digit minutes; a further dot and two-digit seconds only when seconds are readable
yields 3.56
